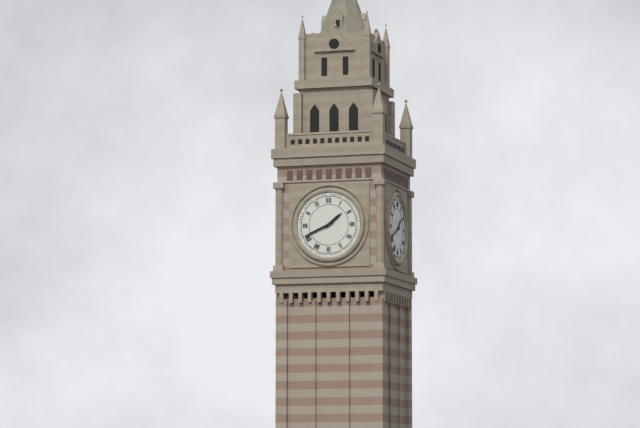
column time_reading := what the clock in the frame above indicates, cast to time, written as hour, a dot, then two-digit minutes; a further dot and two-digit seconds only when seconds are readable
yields 1.41
